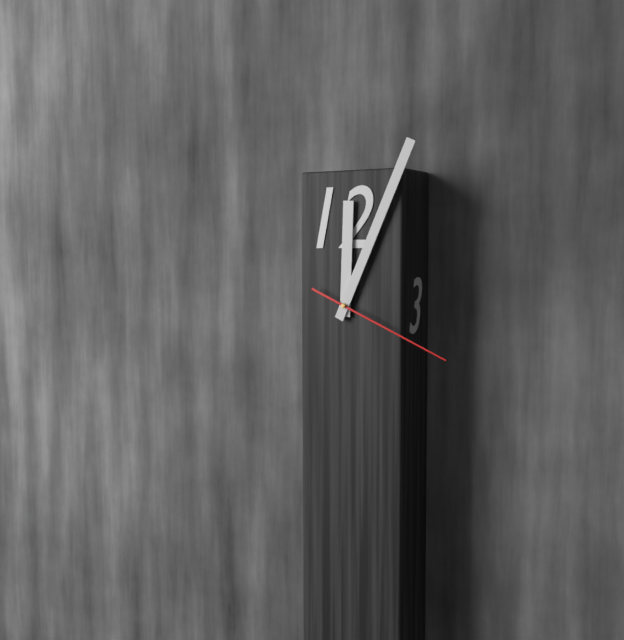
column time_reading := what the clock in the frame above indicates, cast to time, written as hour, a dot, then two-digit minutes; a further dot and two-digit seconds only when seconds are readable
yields 12.04.19
